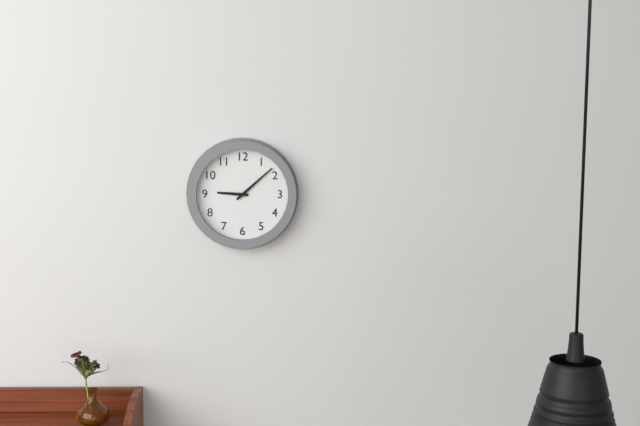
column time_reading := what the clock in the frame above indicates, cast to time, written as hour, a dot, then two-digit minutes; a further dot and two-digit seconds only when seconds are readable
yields 9.08
